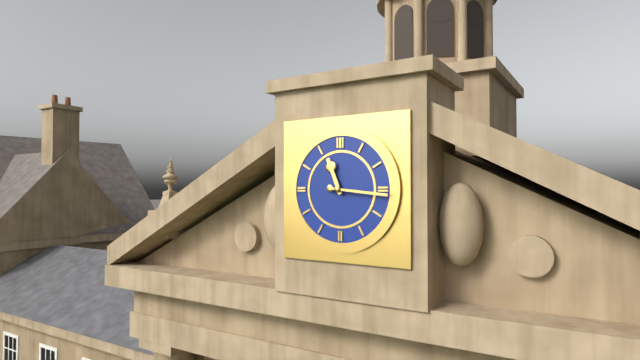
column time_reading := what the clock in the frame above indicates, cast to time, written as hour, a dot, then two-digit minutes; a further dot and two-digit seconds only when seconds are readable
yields 11.16
